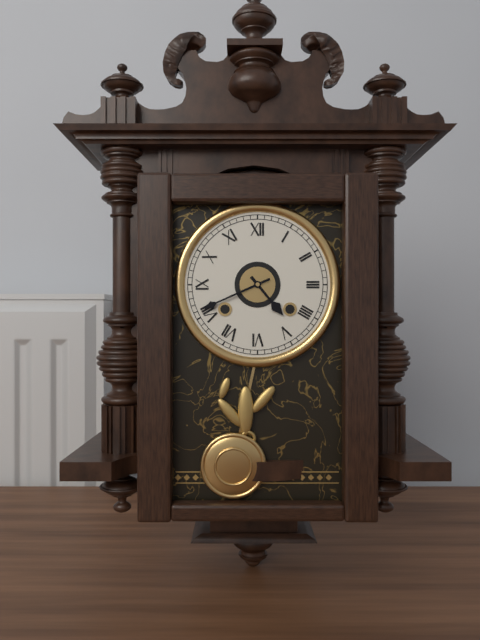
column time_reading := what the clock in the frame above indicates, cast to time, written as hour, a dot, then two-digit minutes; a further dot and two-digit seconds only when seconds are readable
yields 4.41
